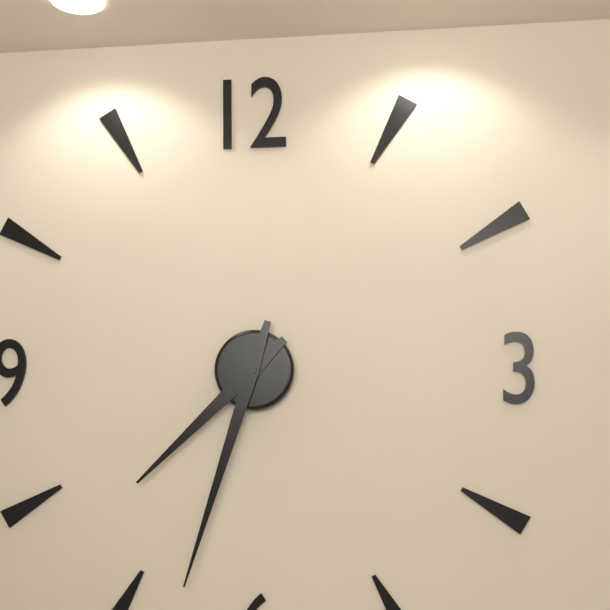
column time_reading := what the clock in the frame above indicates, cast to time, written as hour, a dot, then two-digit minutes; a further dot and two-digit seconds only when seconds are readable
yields 7.33
